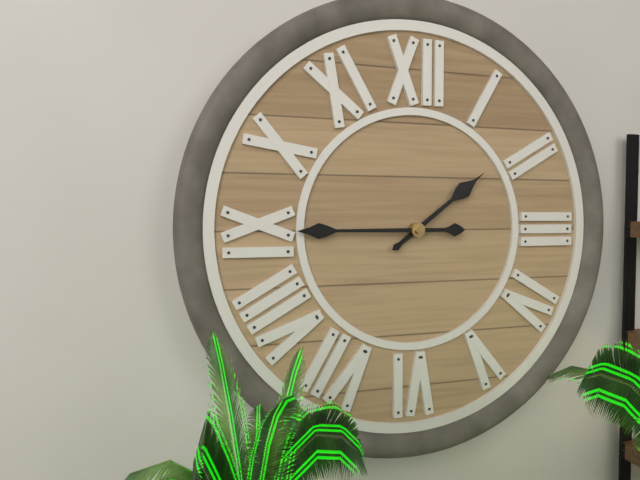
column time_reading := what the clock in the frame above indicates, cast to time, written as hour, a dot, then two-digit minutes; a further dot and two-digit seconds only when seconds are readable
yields 1.45
